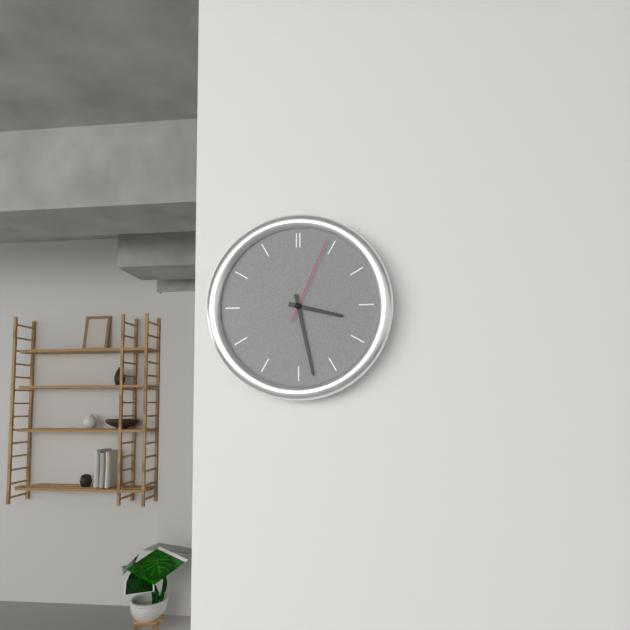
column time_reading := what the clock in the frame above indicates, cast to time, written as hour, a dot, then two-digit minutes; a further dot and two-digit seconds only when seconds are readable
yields 3.28.04
